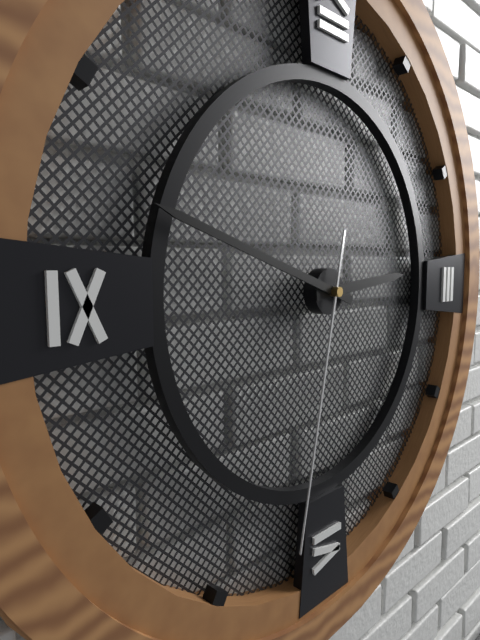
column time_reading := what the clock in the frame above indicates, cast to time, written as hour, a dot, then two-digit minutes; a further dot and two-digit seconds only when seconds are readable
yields 2.48.32
